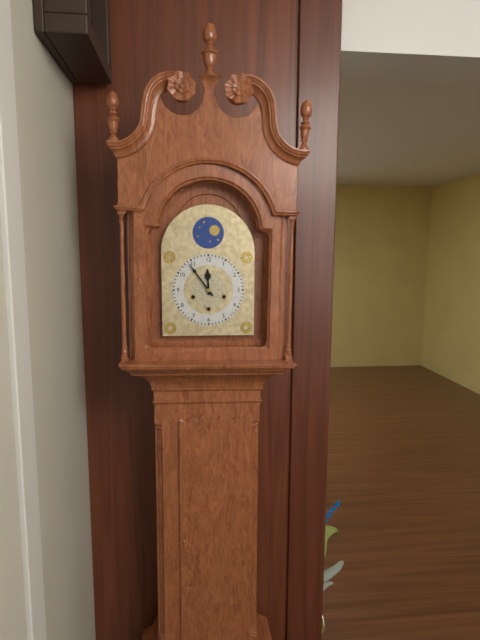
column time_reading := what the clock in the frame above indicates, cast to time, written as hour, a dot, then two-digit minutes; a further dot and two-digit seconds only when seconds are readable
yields 11.54
